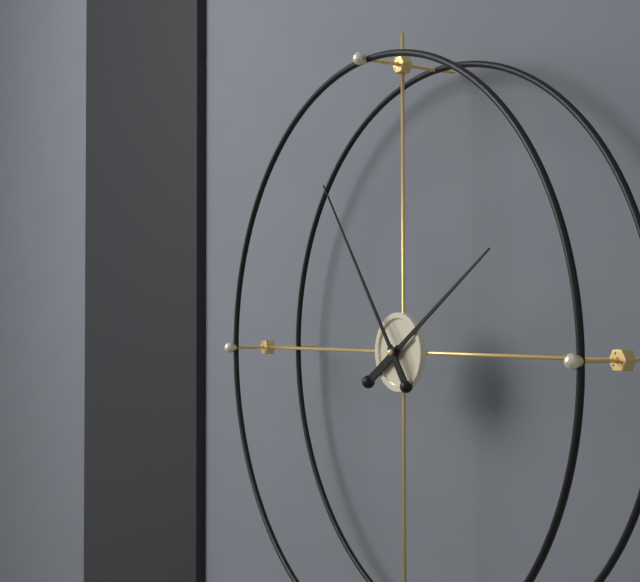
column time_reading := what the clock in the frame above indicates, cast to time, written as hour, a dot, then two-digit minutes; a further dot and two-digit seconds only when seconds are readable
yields 1.54
